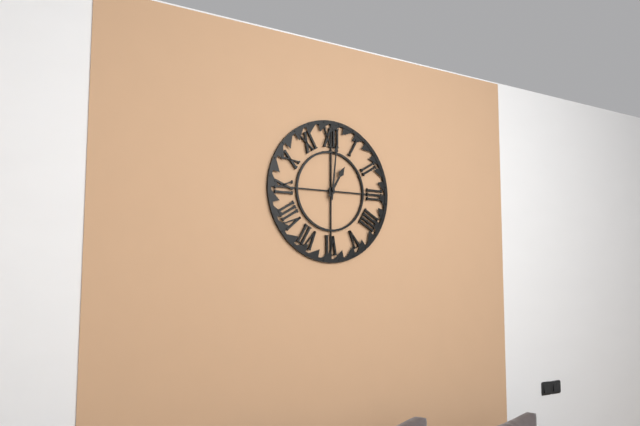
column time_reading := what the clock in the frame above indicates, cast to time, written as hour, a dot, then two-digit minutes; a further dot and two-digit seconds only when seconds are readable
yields 1.01
